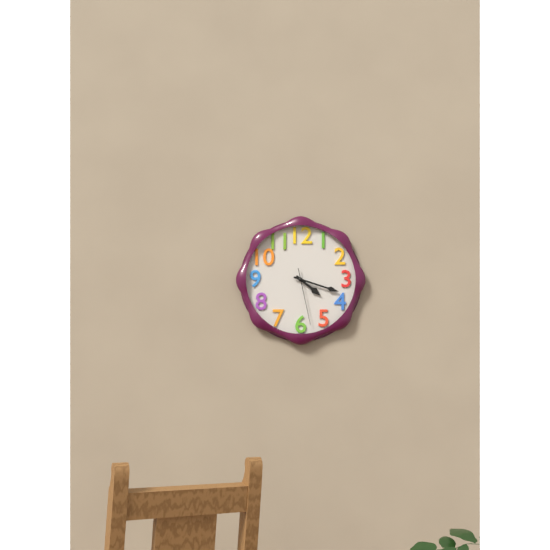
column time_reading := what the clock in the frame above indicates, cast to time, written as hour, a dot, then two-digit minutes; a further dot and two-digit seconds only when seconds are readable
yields 4.18.28
